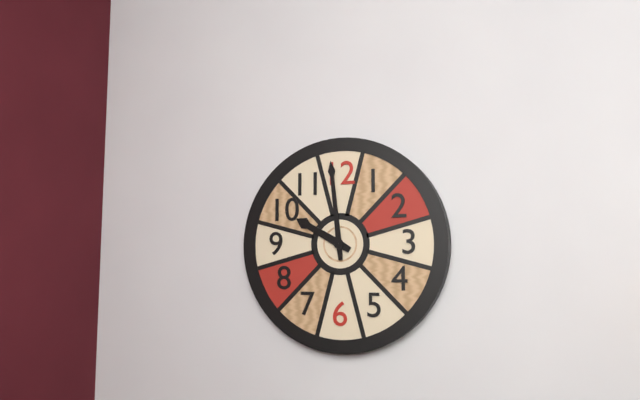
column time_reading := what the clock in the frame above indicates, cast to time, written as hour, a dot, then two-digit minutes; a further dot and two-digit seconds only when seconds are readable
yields 9.59
